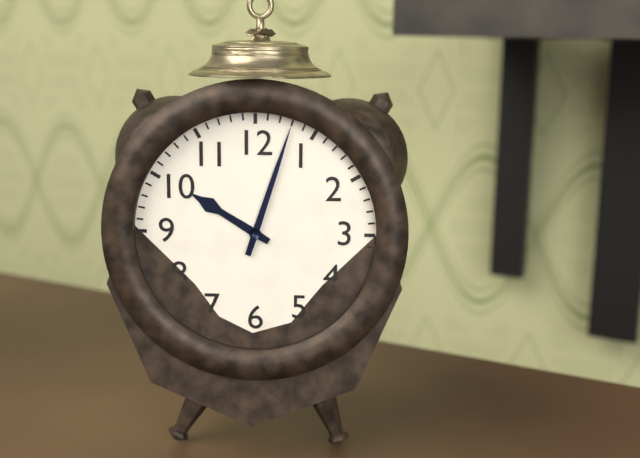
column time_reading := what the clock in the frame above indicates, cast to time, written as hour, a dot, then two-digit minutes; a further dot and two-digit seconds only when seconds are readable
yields 10.03
